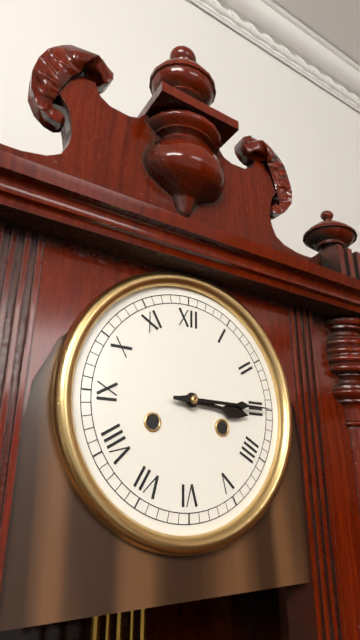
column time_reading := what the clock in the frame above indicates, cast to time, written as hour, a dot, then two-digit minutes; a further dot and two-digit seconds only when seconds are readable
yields 3.15
